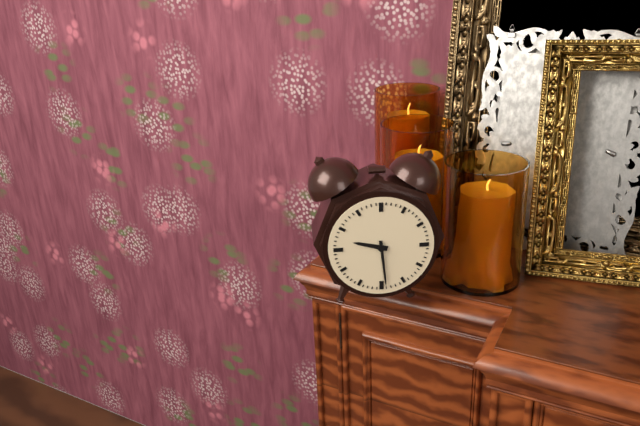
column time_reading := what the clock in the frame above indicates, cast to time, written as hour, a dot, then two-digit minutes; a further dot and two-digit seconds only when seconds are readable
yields 9.29
